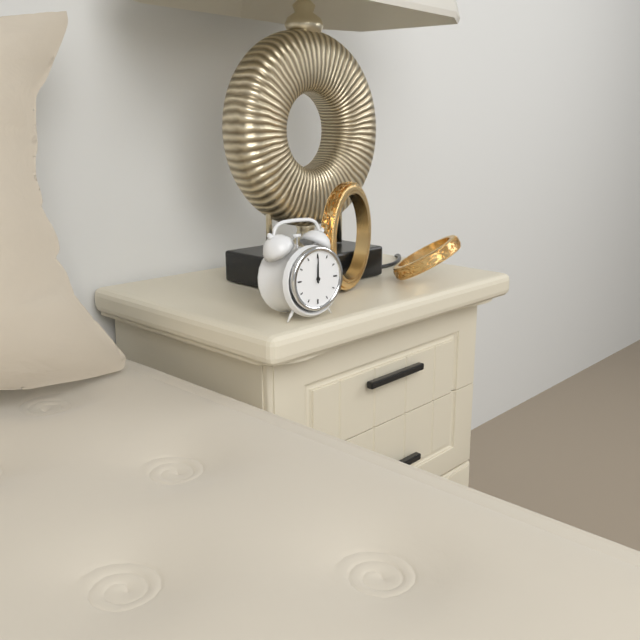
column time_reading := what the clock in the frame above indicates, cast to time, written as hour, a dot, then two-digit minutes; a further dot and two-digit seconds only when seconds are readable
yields 12.00
